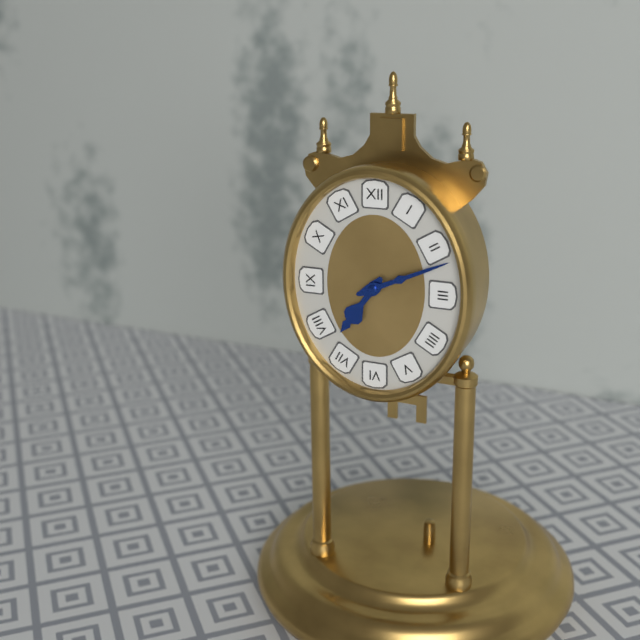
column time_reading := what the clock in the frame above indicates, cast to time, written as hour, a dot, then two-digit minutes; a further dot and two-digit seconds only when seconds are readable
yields 7.11
